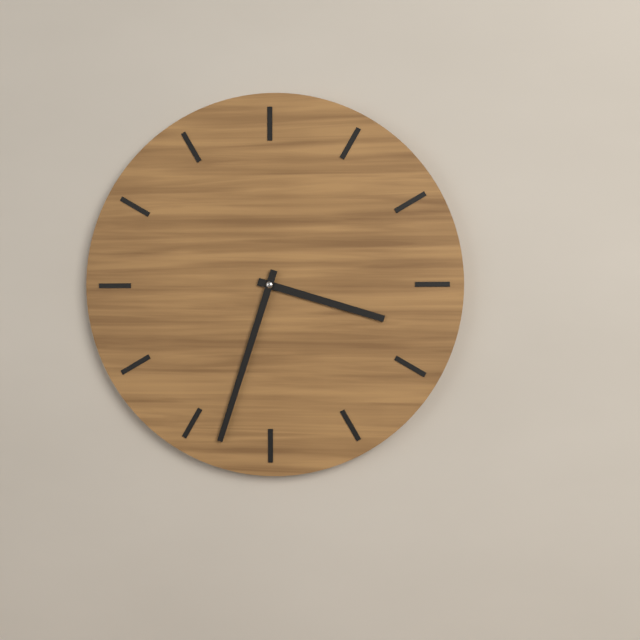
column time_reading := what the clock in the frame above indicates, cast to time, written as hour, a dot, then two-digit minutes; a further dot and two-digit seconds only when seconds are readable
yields 3.33
